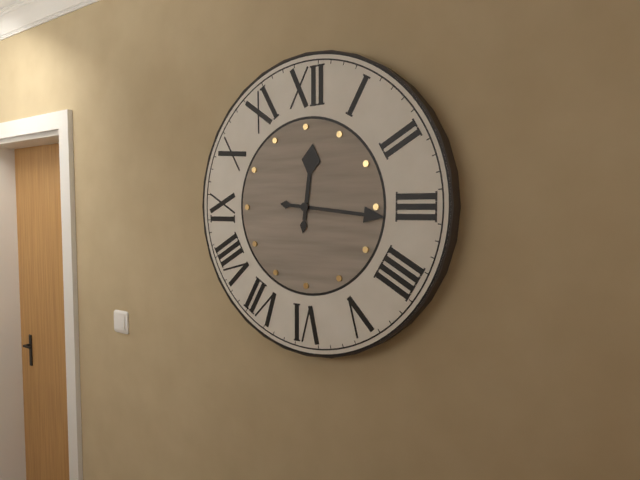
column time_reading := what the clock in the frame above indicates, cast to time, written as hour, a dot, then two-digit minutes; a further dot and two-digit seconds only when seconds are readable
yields 12.16
